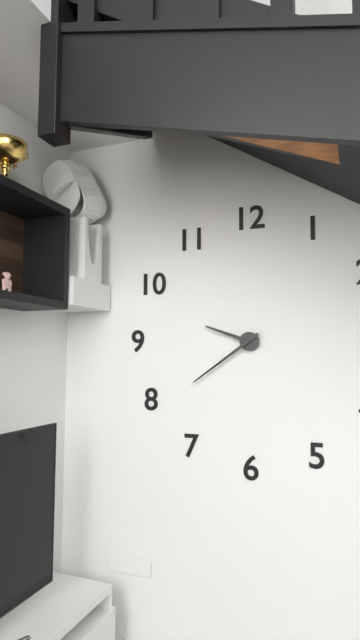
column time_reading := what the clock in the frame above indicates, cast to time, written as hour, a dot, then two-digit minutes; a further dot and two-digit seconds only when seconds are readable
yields 9.39
